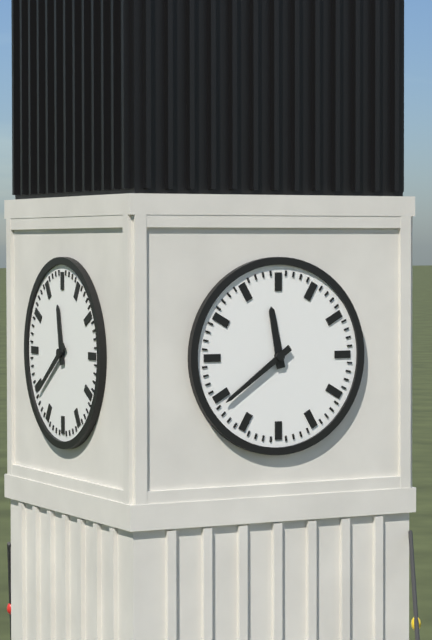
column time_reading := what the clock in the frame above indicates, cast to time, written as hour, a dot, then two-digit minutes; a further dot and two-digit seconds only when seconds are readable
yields 11.39
